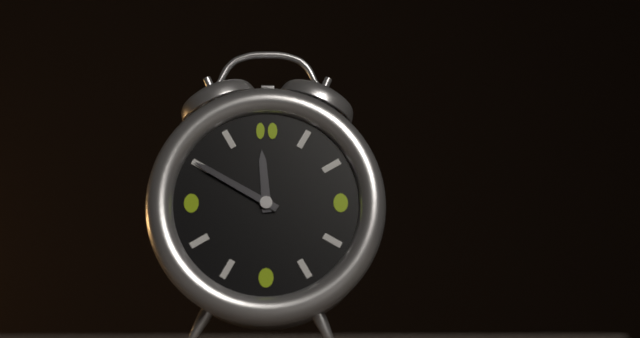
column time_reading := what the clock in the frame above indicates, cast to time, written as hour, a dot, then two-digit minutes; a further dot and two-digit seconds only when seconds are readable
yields 11.50
